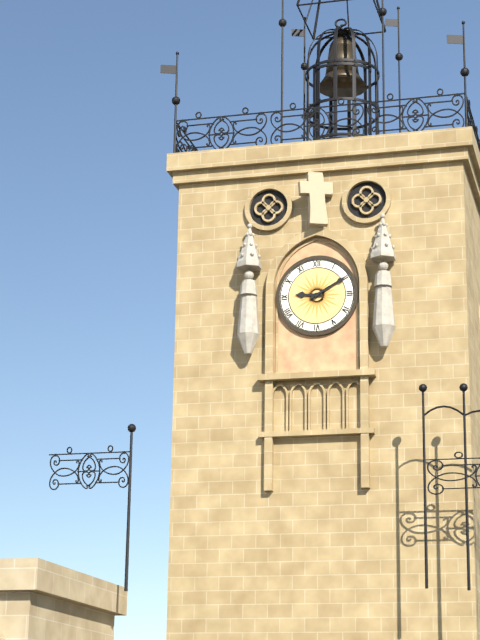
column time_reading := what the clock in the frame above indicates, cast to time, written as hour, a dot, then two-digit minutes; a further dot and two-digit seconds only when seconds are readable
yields 9.10
